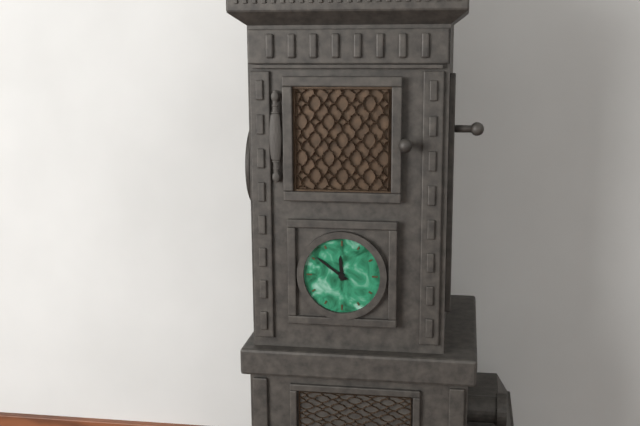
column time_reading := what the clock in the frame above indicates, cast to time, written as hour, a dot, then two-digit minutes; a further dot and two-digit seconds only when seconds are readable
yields 11.51
